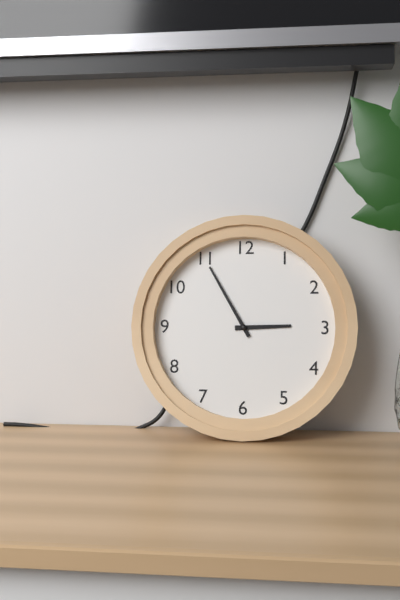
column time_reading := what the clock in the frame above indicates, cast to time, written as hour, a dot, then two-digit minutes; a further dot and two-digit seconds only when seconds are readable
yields 2.55
